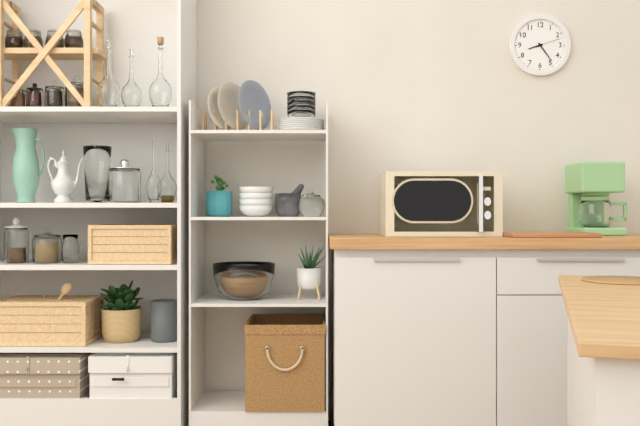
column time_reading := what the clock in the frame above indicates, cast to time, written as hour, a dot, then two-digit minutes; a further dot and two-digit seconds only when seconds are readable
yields 8.24
